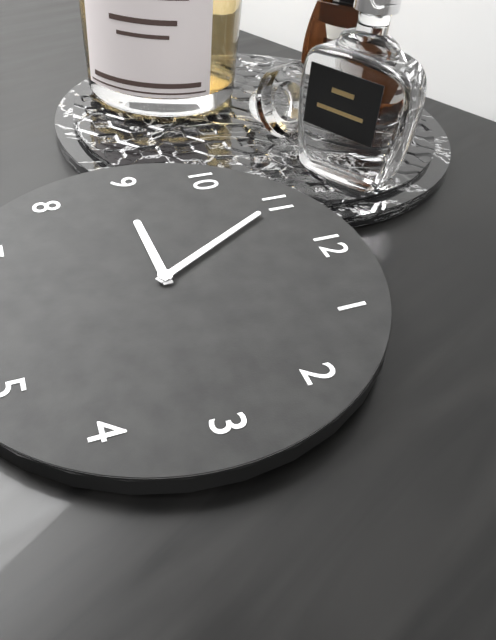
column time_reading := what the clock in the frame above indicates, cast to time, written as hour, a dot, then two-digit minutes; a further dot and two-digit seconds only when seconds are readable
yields 8.55
